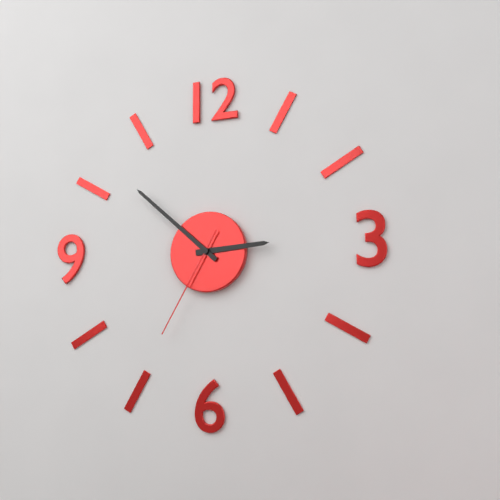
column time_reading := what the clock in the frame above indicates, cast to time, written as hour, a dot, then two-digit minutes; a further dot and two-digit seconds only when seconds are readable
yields 2.52.35
